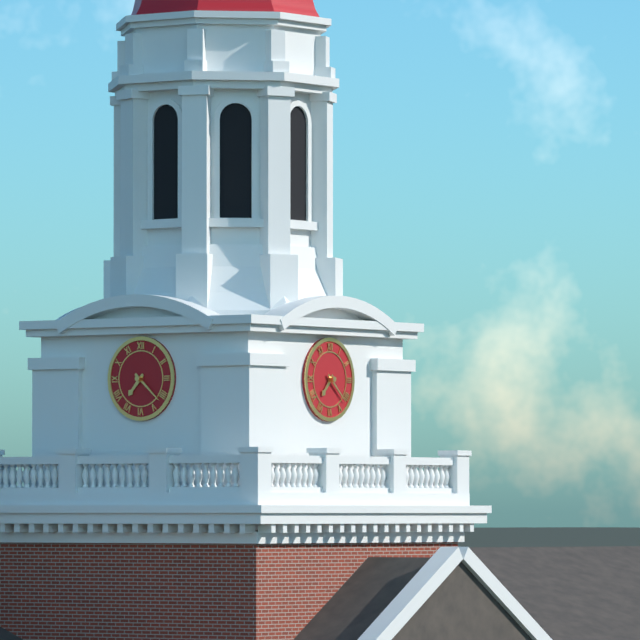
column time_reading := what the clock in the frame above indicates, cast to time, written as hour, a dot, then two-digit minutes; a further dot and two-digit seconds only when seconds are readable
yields 7.22
